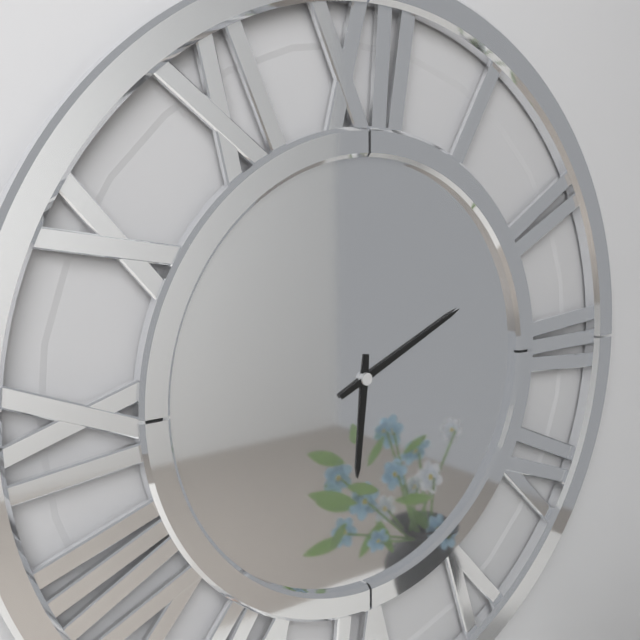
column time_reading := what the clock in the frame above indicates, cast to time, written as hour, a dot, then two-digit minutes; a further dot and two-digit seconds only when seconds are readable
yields 6.11
